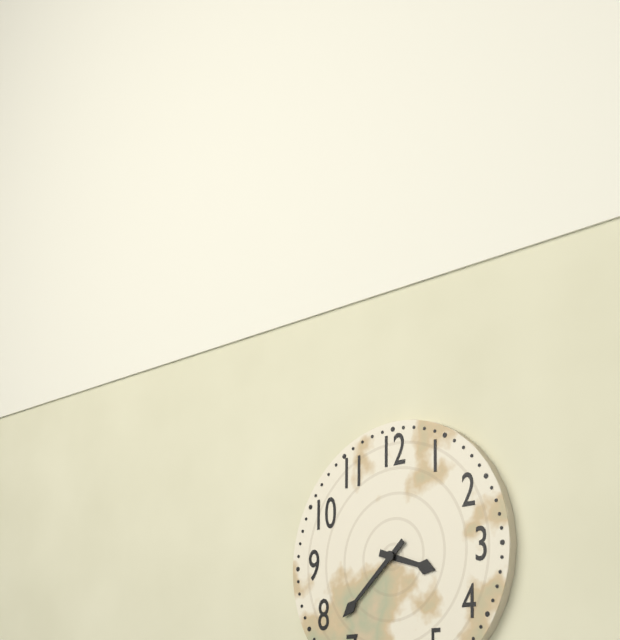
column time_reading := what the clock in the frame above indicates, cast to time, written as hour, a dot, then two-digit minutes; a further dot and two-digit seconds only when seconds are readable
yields 3.38
